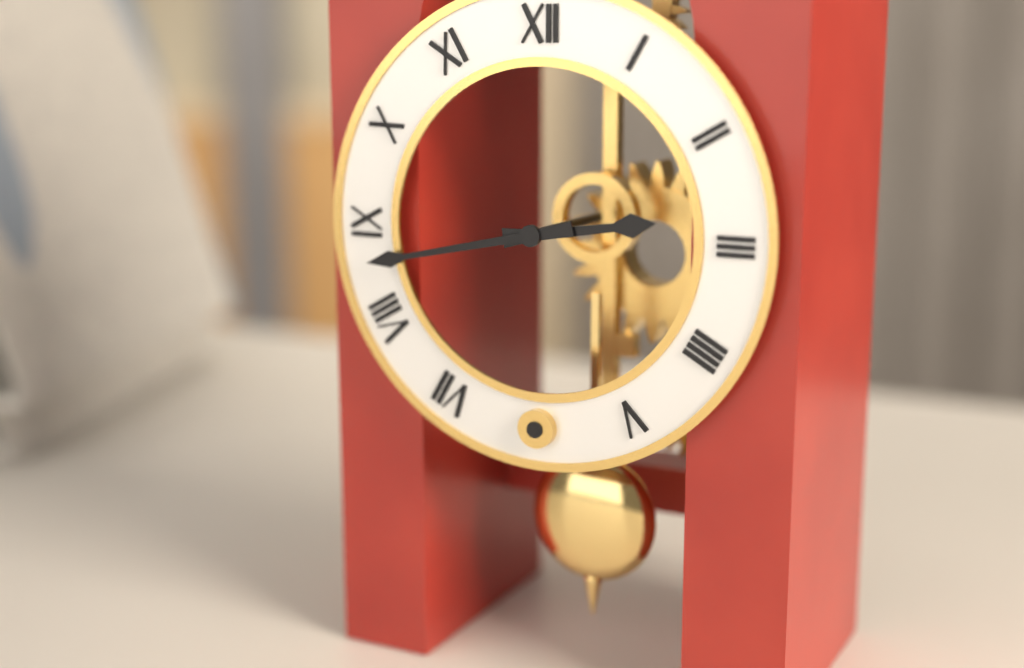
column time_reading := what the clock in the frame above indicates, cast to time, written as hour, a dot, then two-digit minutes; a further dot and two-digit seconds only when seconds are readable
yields 2.43
